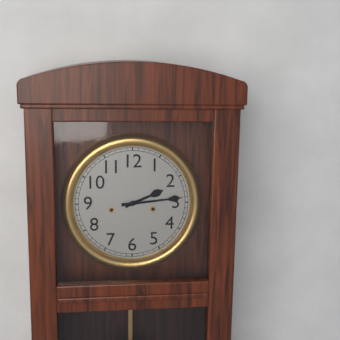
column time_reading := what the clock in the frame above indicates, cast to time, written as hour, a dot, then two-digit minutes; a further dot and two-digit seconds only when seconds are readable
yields 2.14
